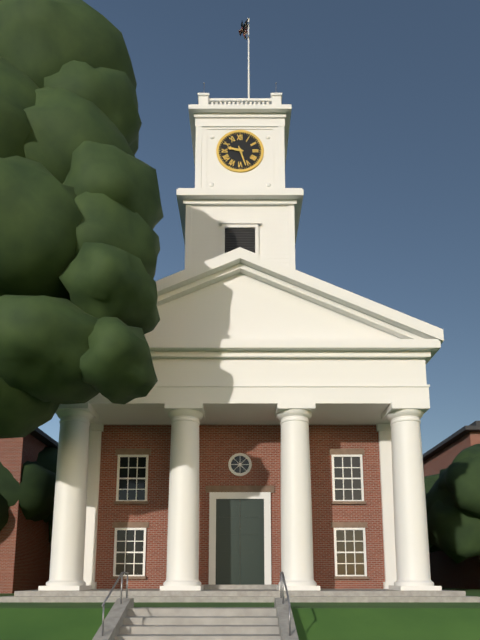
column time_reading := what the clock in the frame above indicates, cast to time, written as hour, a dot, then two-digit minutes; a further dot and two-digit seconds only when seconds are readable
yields 9.27
